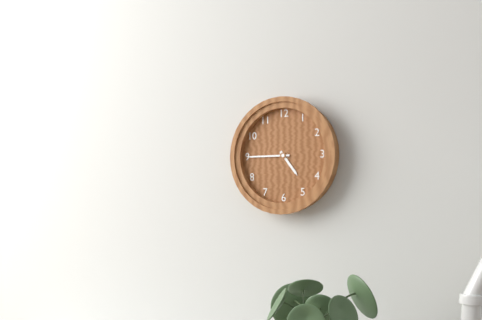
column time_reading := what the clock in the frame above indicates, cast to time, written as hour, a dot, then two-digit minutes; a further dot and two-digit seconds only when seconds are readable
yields 4.45
